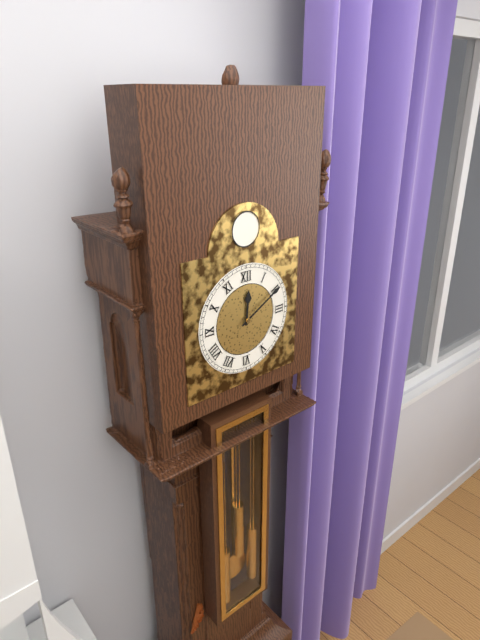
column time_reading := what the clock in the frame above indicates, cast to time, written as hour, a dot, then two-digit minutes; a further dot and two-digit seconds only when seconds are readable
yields 12.10
